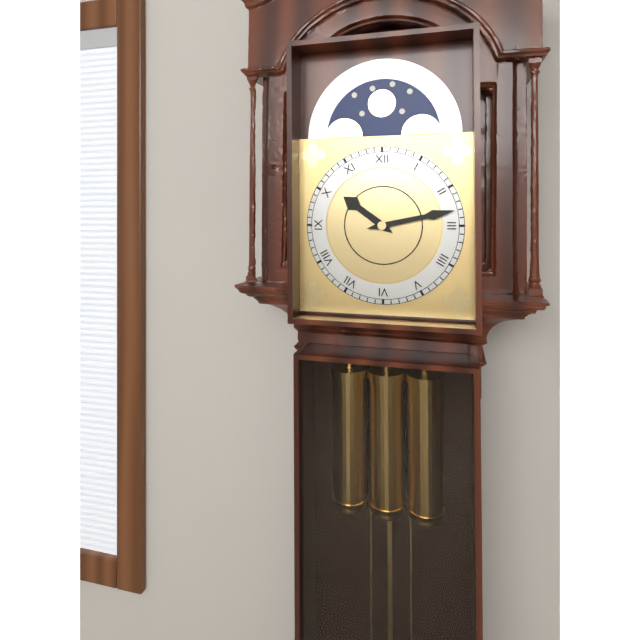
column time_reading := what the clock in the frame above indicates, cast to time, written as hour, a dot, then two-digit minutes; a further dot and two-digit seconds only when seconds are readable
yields 10.13
